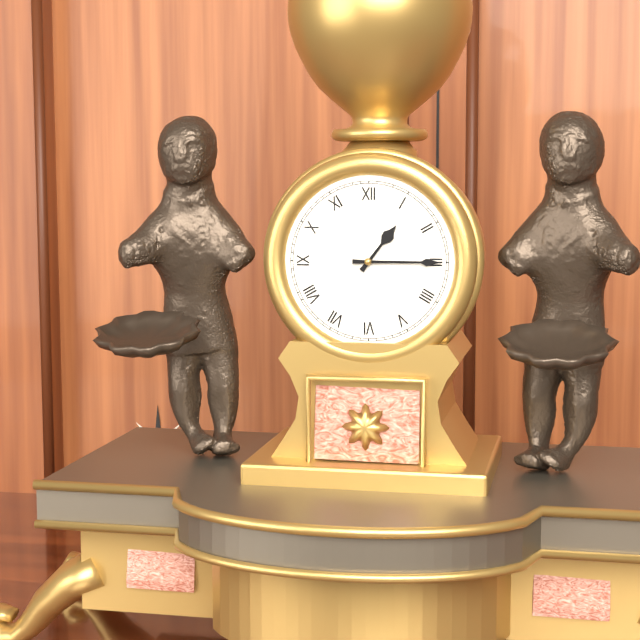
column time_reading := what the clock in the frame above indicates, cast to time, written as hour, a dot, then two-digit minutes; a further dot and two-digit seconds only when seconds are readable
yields 1.15
